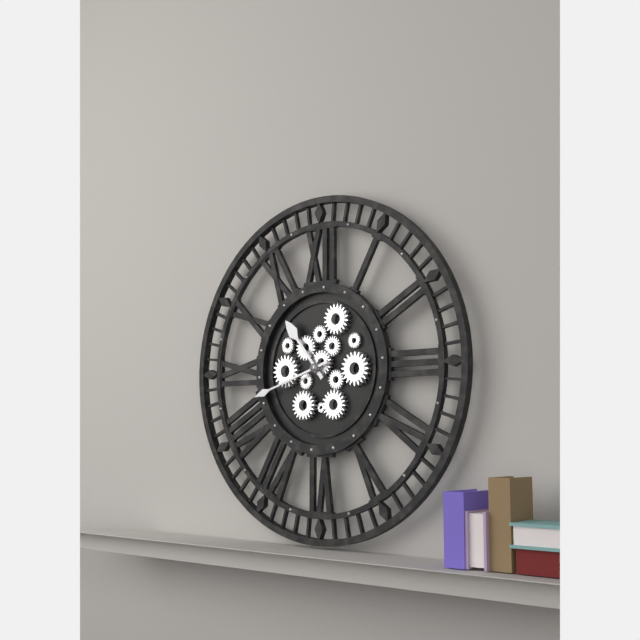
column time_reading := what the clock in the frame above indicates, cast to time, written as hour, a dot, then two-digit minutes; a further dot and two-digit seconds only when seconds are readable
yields 10.42
